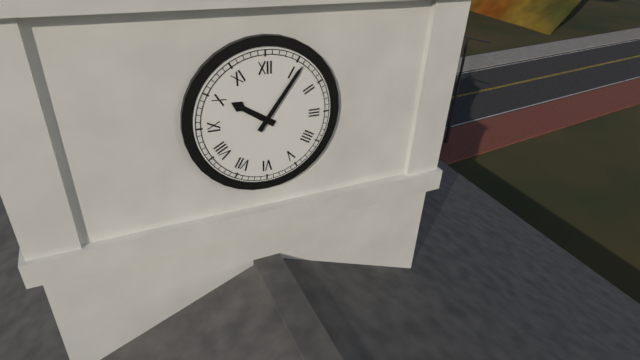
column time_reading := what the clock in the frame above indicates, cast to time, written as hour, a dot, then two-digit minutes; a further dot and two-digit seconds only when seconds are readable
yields 10.06
